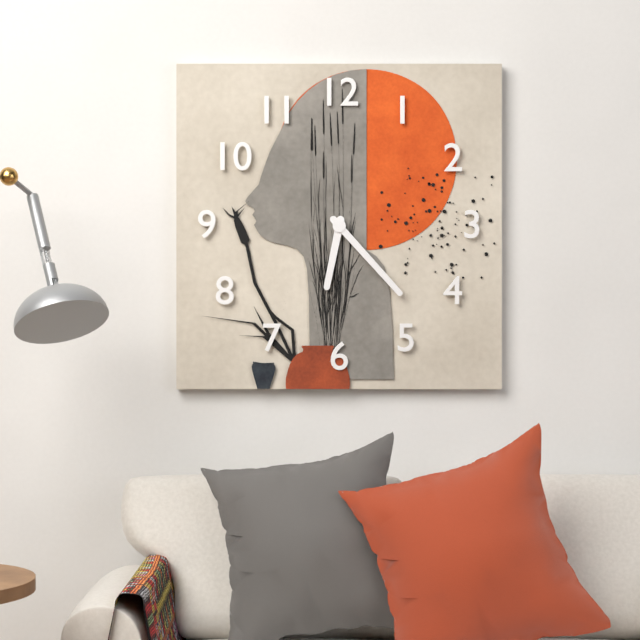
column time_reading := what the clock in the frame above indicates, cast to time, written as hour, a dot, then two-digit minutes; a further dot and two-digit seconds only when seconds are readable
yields 6.23
